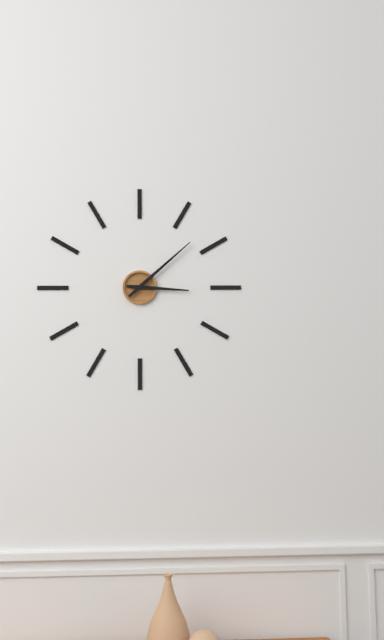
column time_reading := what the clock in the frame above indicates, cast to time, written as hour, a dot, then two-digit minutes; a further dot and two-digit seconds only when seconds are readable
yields 3.08
